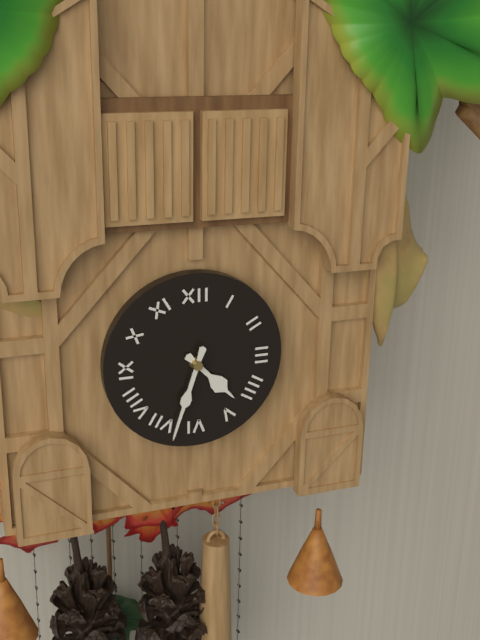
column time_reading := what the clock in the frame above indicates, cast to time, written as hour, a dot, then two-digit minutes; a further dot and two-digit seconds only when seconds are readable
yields 4.33
